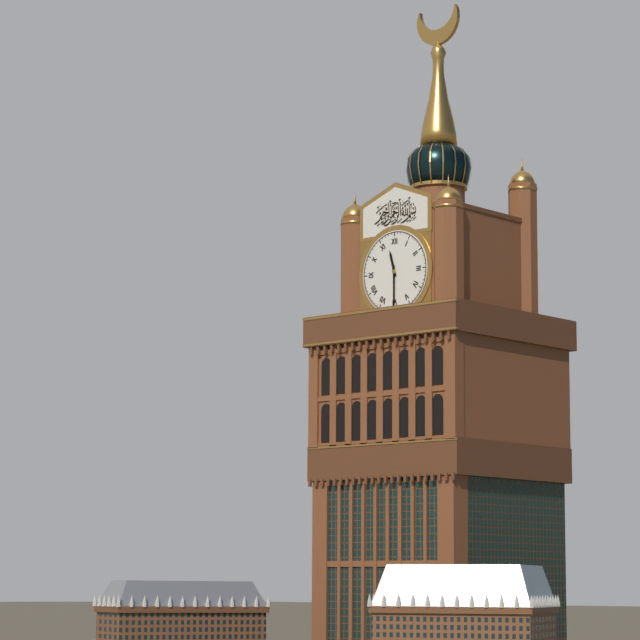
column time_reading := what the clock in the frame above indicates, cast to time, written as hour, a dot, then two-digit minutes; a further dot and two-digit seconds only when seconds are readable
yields 11.30
